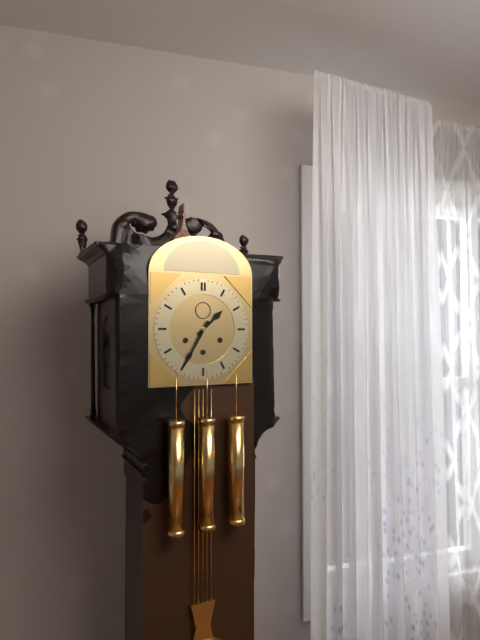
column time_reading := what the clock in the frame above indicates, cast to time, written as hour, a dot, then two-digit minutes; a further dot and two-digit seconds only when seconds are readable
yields 1.35
